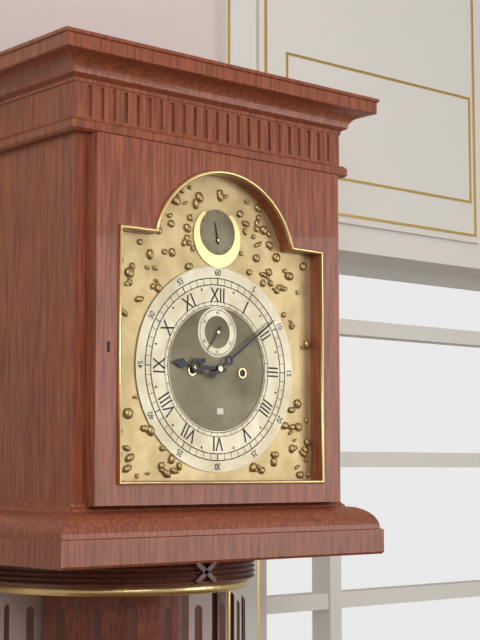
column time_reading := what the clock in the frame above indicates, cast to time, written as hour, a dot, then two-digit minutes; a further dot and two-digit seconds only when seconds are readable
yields 9.09
